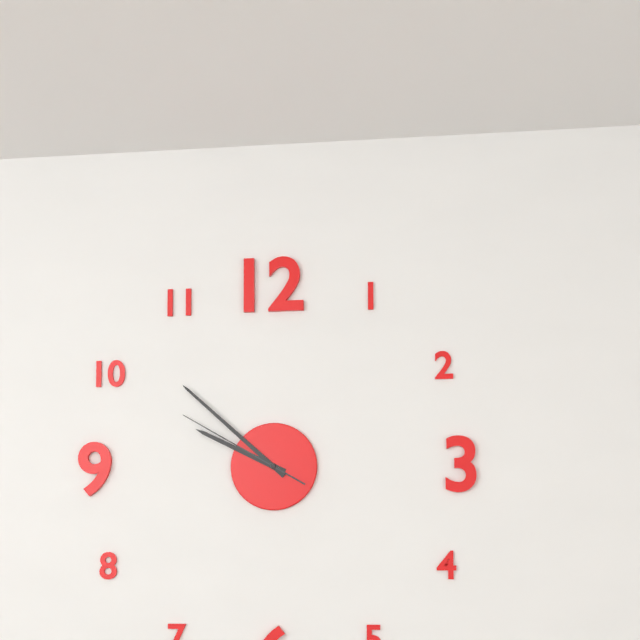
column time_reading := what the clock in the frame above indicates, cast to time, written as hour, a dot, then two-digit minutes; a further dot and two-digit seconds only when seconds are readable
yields 9.52.50
